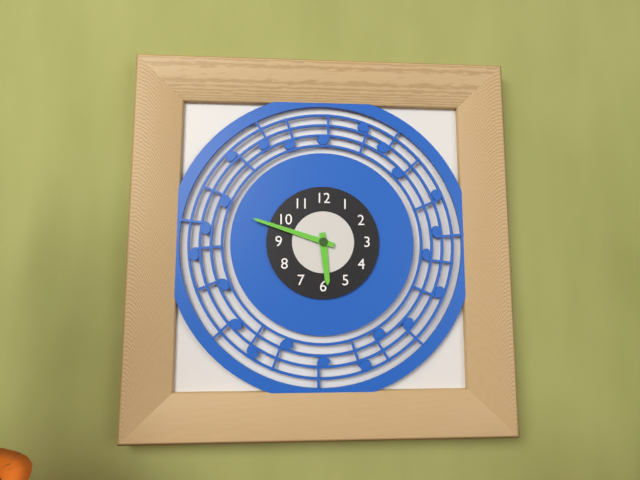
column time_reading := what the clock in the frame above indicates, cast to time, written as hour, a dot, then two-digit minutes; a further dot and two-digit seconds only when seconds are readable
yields 5.48
